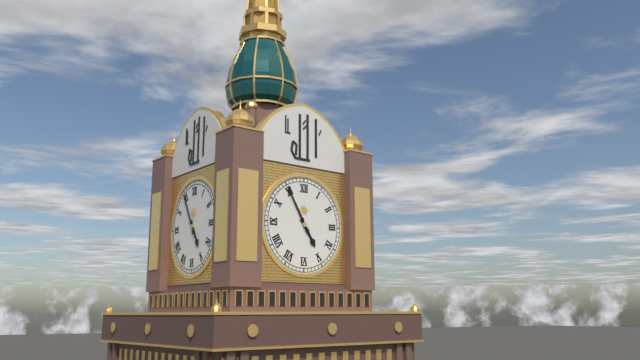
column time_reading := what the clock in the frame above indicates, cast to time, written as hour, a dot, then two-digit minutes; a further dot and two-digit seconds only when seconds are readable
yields 4.55
